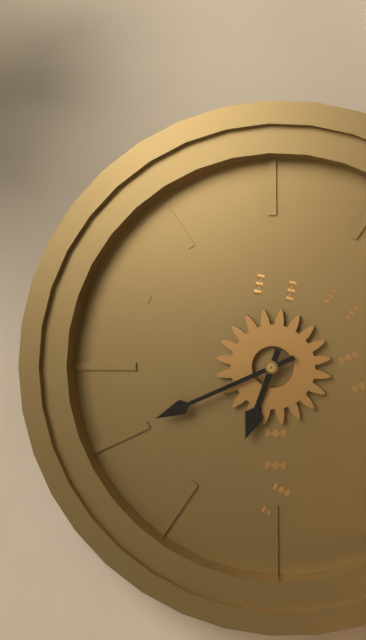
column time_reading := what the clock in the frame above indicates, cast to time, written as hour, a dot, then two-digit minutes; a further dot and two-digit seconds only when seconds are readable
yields 6.41
